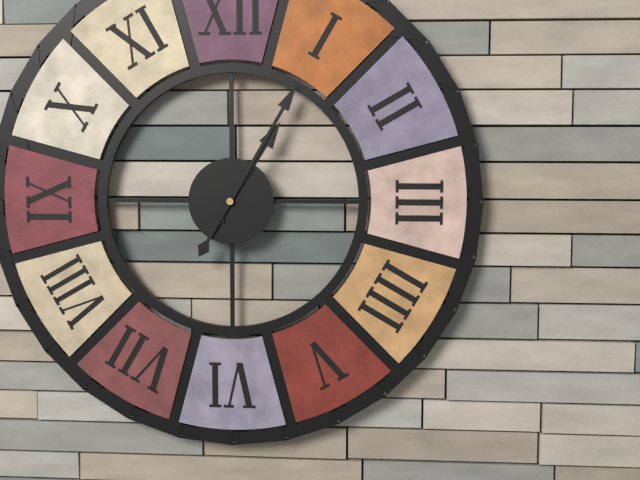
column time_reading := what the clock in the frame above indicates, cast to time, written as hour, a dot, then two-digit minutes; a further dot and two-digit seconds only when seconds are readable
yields 1.05
